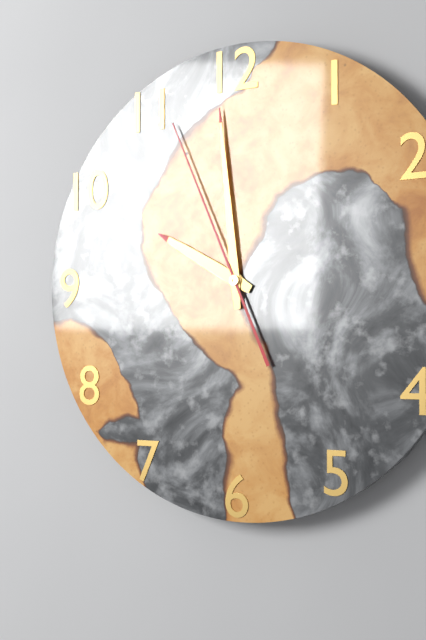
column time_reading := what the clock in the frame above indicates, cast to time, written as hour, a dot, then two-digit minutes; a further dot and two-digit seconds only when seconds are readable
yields 9.59.56
